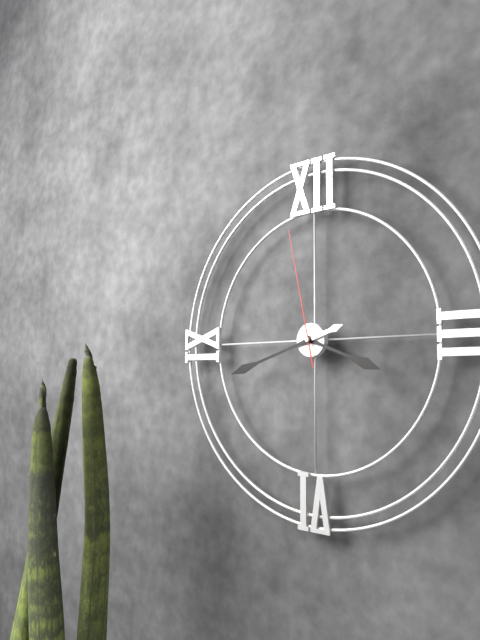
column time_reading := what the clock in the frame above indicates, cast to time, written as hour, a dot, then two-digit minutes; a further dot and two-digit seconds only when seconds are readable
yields 3.42.58
